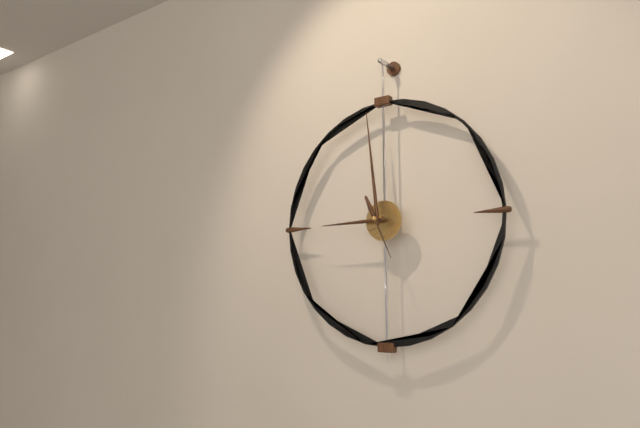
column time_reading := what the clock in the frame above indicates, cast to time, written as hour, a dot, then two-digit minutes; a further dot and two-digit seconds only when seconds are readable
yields 8.59.26
